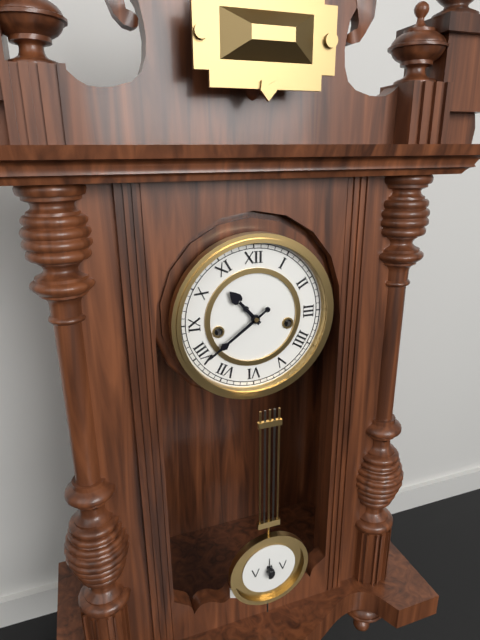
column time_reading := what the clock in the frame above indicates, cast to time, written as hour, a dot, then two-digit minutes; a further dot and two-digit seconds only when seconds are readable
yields 10.39
